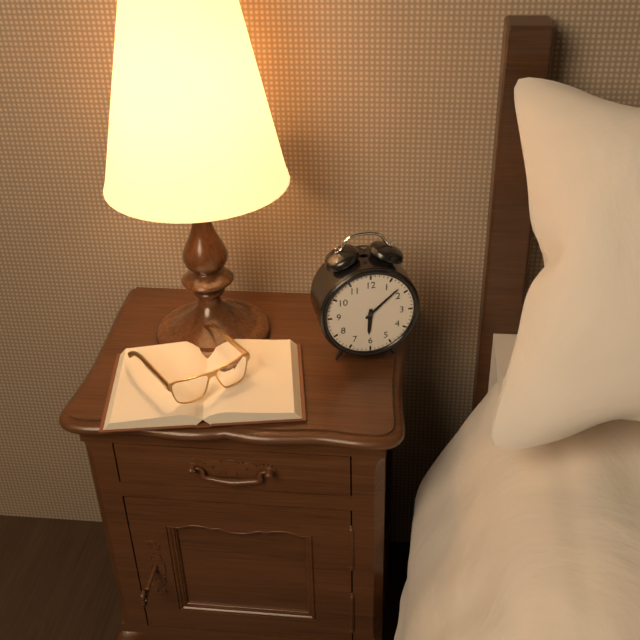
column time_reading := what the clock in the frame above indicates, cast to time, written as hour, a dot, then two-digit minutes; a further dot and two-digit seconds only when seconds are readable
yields 6.08
